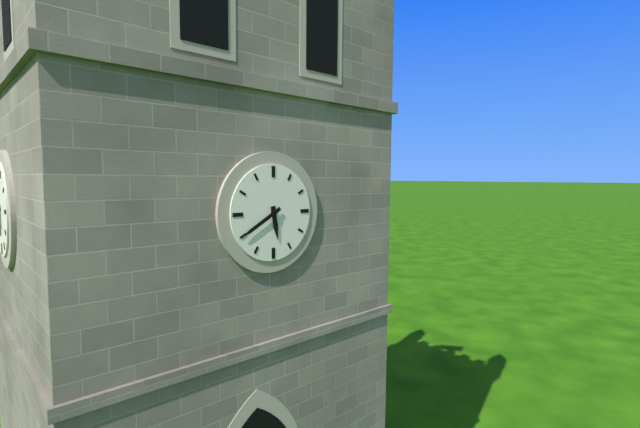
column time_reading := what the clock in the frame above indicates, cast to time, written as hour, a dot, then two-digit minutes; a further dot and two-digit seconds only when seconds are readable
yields 5.40
